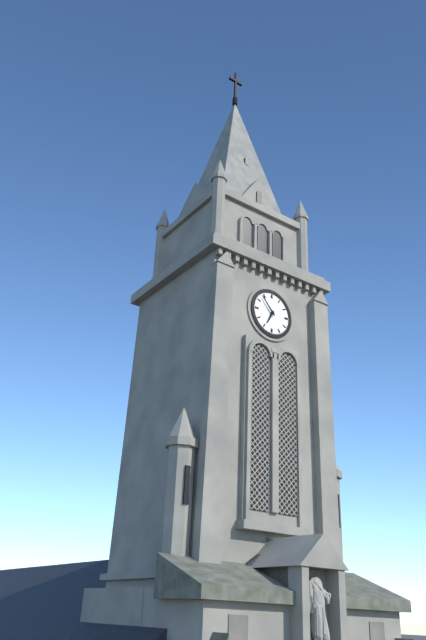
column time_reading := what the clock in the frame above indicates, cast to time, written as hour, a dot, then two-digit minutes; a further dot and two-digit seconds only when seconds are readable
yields 6.53
